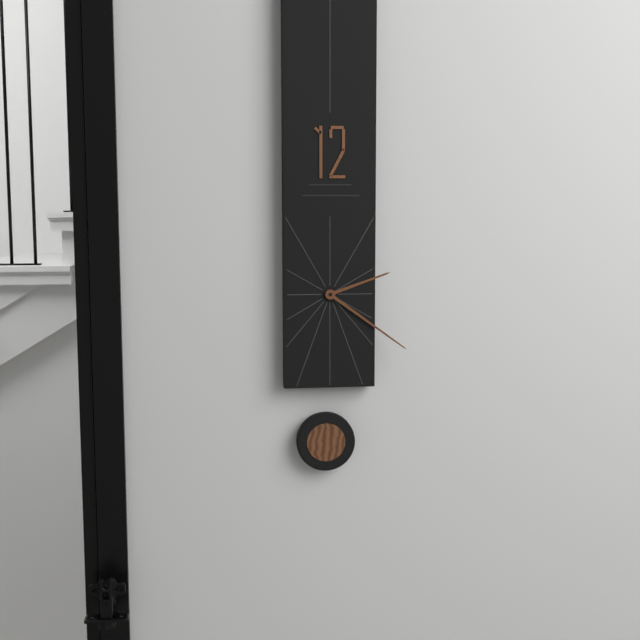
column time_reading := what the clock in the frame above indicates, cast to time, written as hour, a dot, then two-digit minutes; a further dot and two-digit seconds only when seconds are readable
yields 2.21
